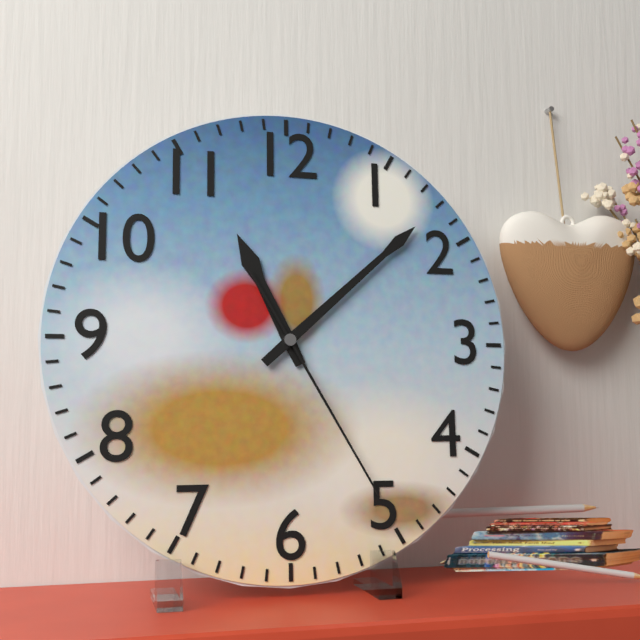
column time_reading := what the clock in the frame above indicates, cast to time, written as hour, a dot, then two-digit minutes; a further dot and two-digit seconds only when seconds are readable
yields 11.08.25
